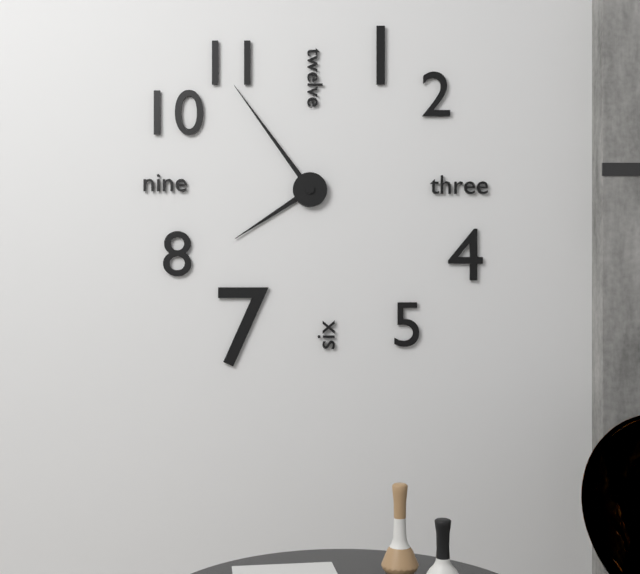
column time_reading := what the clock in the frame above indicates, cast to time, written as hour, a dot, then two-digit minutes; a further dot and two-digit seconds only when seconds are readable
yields 7.54
